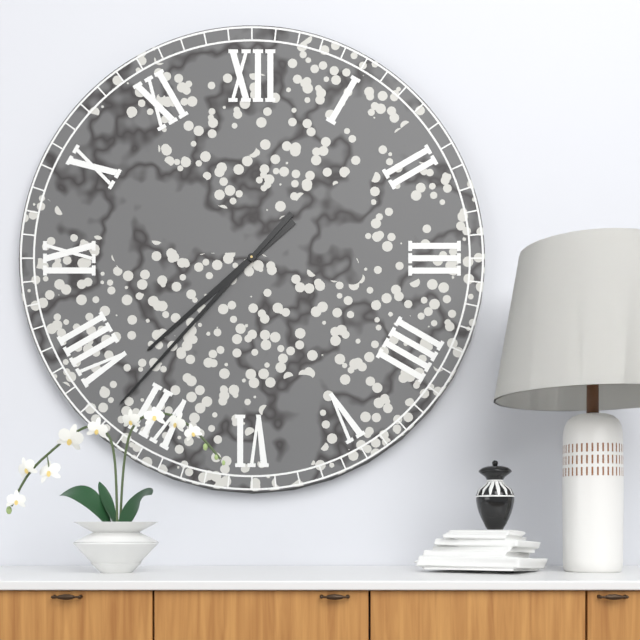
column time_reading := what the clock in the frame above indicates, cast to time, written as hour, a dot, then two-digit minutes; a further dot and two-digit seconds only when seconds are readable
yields 7.37
